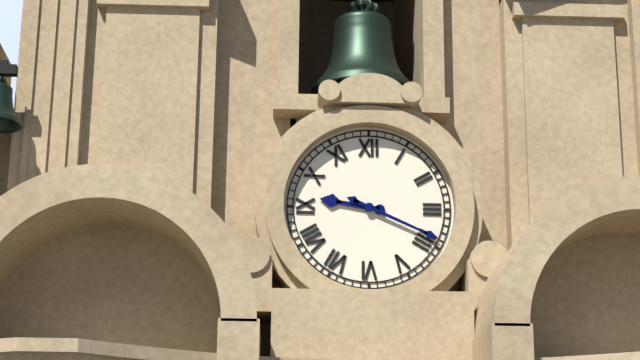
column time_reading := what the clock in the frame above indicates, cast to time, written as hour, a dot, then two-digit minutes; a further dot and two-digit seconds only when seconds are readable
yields 9.19
